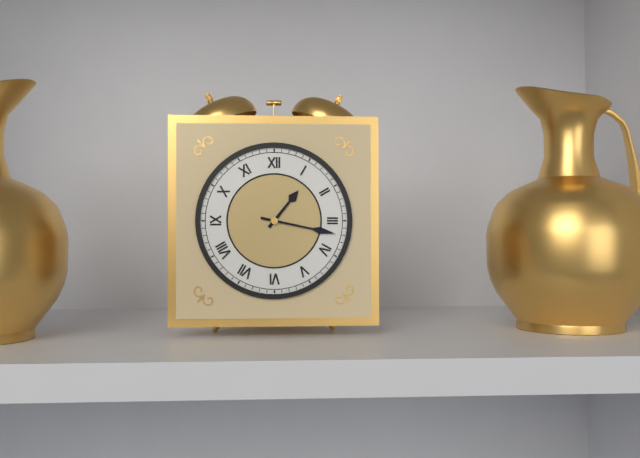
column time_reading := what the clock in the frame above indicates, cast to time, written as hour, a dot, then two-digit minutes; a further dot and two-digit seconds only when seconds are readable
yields 1.17
